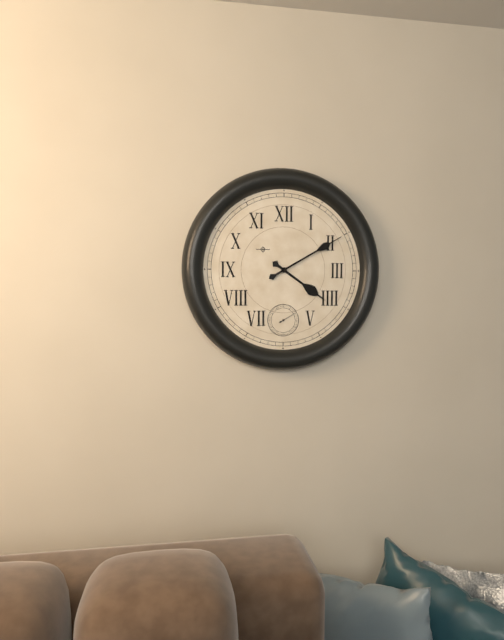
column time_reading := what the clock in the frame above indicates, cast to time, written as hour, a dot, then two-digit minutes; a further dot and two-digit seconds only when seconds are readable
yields 4.10
